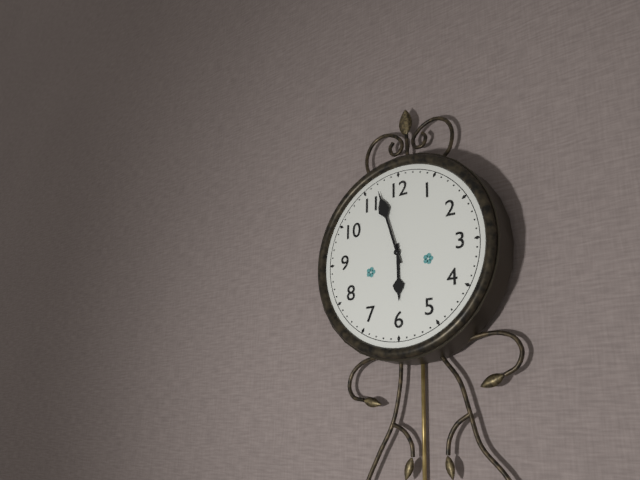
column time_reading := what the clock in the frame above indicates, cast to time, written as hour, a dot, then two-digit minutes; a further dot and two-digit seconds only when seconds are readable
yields 5.57
